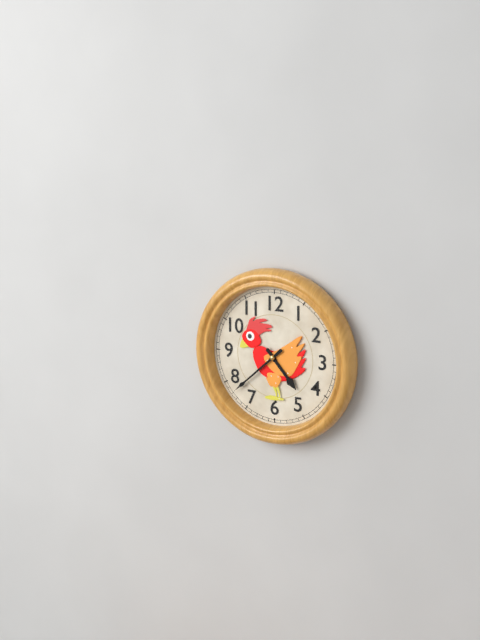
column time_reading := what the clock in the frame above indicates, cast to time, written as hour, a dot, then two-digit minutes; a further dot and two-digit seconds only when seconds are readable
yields 4.38
